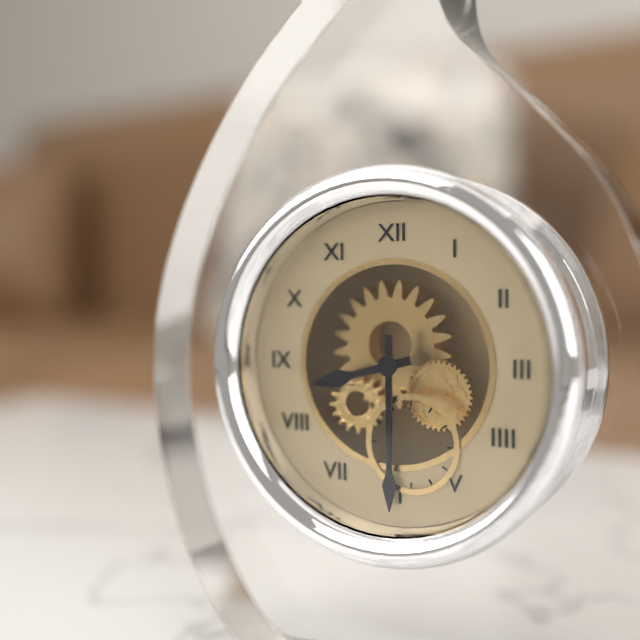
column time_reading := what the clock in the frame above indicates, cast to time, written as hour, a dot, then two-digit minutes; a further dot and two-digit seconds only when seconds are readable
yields 8.30
